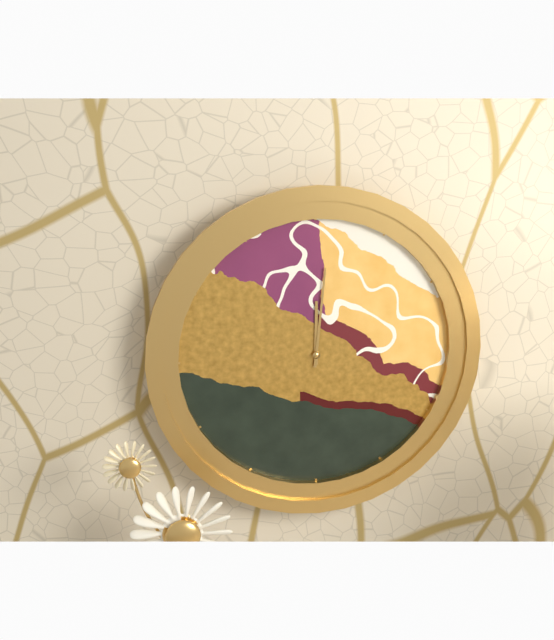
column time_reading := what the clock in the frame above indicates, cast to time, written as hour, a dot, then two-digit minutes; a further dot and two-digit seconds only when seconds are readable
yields 12.01
